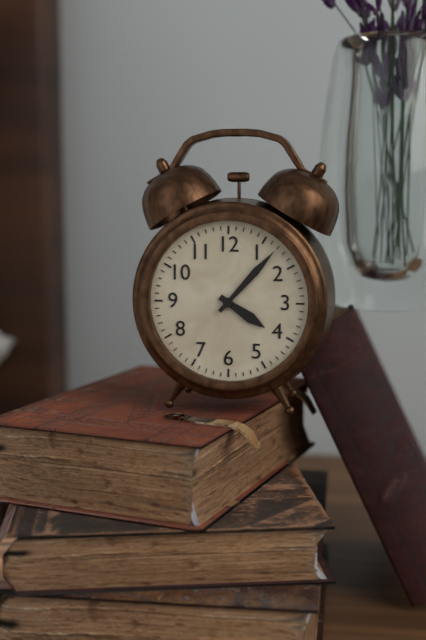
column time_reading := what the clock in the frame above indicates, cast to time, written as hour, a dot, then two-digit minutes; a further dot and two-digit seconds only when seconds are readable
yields 4.07
